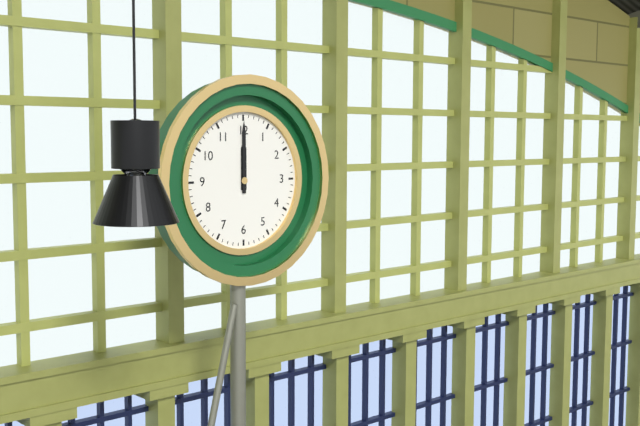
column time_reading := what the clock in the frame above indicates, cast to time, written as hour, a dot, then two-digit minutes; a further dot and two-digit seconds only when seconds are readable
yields 12.00
